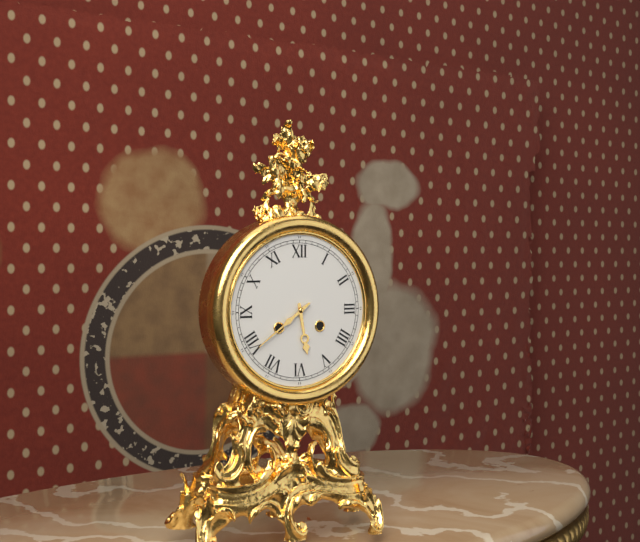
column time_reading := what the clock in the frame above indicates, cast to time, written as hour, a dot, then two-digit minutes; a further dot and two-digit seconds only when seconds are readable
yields 5.39
